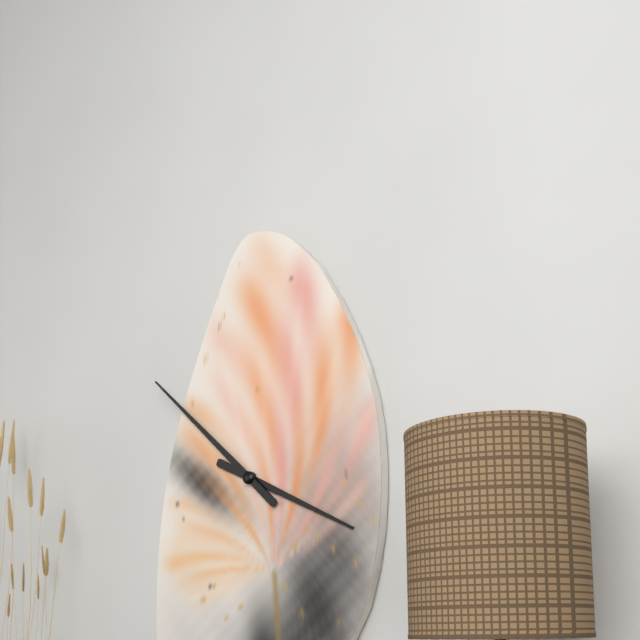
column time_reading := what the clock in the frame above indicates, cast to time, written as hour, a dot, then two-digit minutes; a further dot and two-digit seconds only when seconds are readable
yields 3.52
